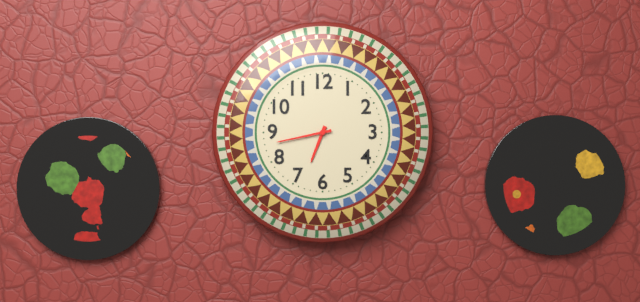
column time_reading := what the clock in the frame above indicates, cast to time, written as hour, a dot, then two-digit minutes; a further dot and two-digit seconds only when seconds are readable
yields 6.43
